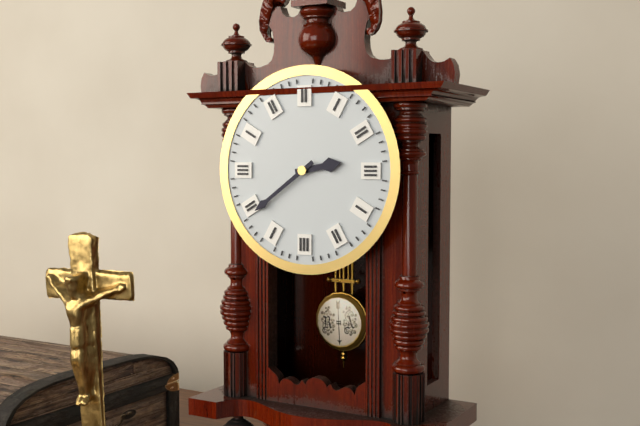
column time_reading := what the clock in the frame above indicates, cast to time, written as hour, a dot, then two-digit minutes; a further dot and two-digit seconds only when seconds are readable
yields 2.39
